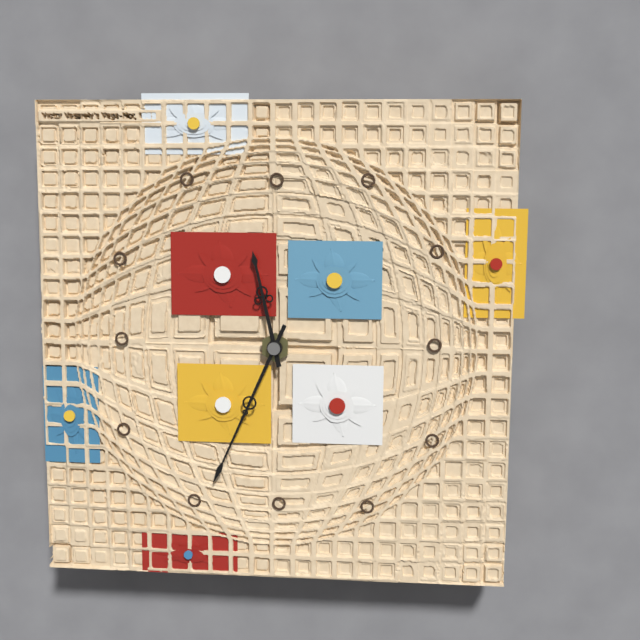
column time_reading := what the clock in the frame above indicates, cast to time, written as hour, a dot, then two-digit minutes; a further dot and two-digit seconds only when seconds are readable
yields 11.34
